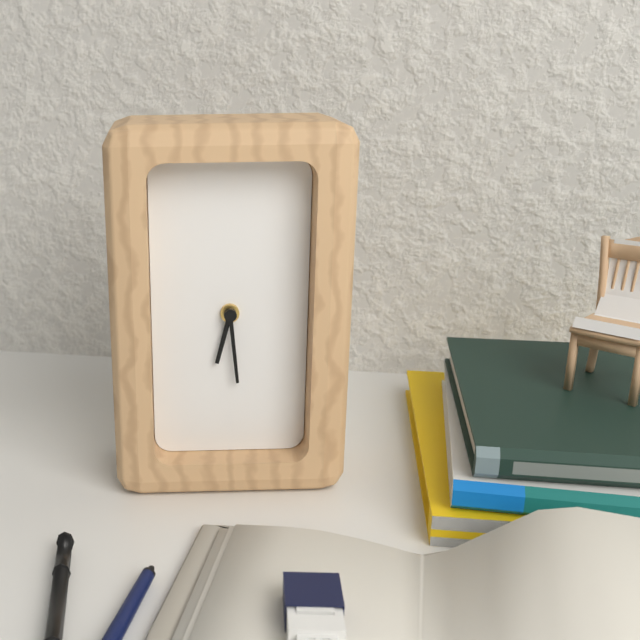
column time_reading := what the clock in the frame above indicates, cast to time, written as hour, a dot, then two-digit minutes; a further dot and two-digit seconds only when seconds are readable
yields 6.29
